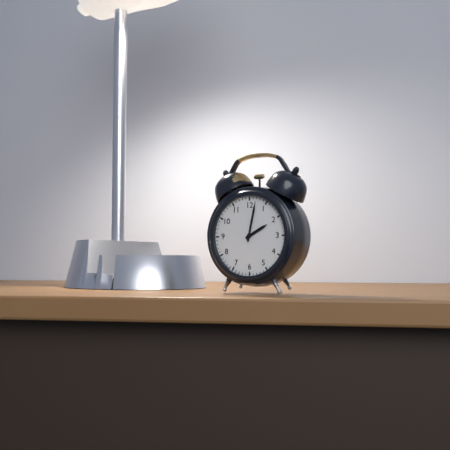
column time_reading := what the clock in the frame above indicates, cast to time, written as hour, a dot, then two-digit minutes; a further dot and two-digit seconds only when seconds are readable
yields 2.02
